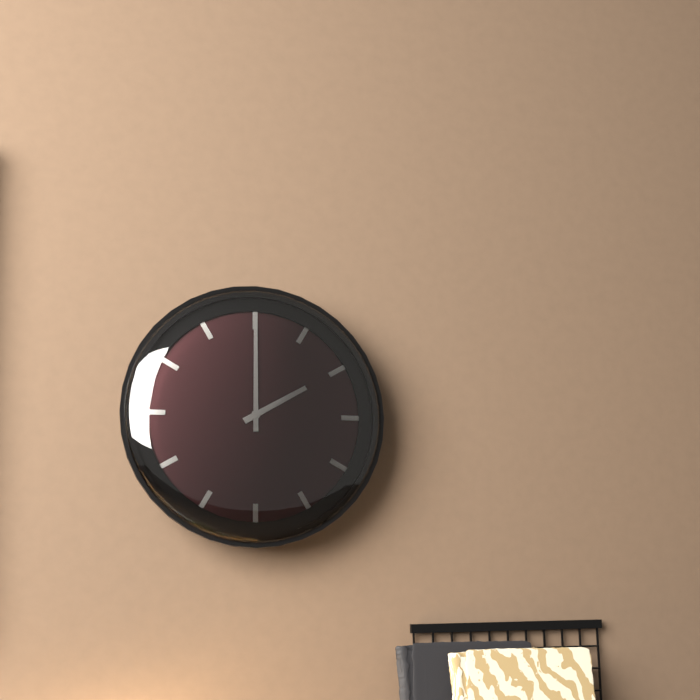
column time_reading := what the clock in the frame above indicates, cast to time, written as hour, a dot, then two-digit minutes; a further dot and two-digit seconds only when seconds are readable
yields 2.00
